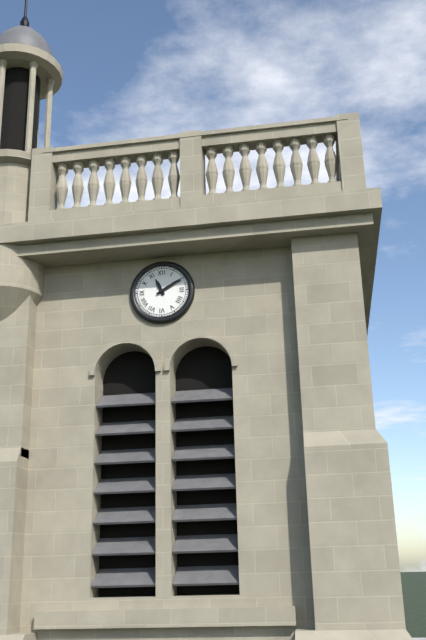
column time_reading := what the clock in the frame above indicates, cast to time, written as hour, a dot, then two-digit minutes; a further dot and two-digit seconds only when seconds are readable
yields 11.10
